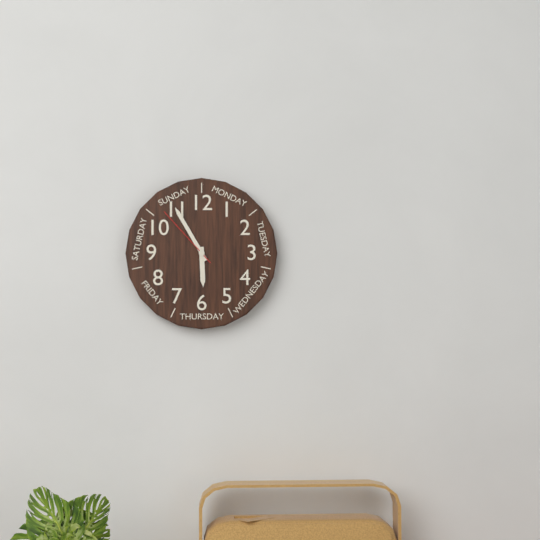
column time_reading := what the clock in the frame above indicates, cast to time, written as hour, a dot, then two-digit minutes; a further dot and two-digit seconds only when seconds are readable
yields 5.55.53
